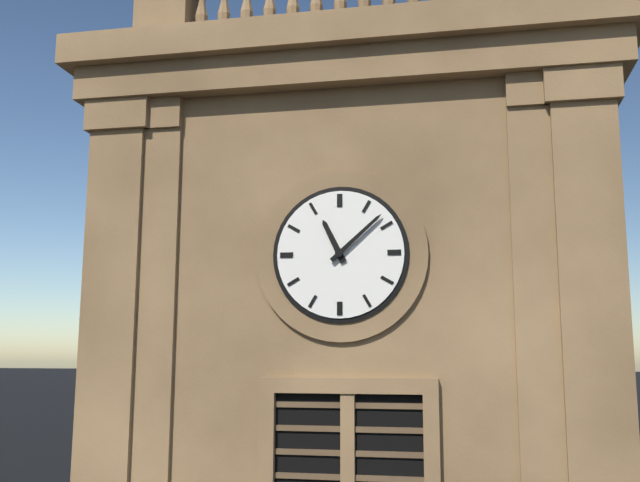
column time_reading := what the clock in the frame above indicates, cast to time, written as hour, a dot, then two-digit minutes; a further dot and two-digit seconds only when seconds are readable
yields 11.08
